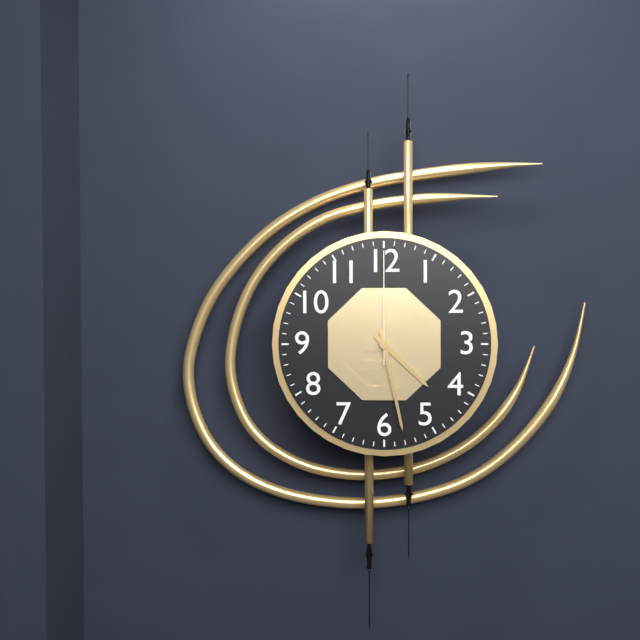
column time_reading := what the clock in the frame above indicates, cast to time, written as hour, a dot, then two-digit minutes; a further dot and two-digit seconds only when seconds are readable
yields 4.28.00
